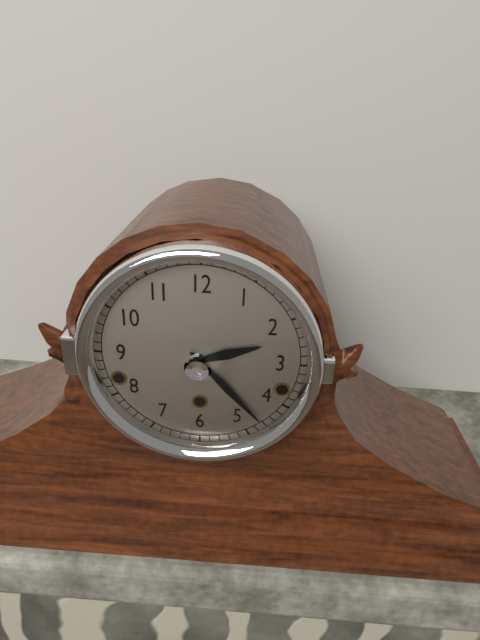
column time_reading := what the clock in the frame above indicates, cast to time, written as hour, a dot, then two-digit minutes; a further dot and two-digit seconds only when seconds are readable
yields 2.23
